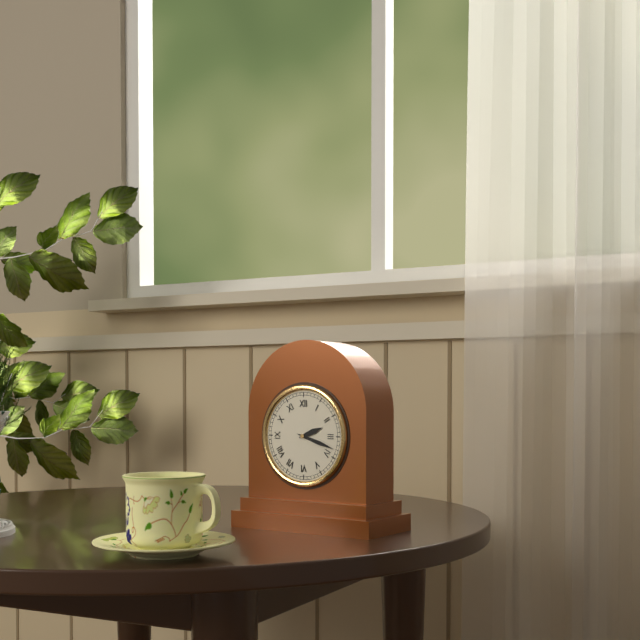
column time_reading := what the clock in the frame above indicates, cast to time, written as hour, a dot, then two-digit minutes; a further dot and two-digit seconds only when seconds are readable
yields 2.18
